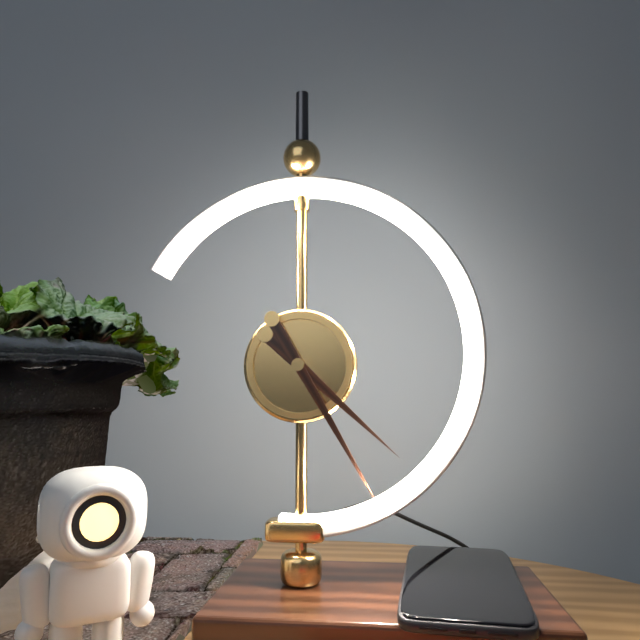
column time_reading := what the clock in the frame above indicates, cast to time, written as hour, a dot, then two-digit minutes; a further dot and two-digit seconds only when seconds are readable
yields 4.25
